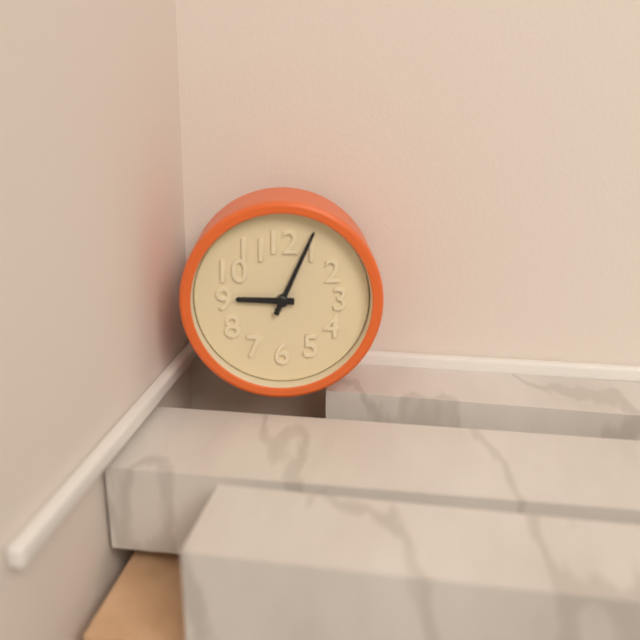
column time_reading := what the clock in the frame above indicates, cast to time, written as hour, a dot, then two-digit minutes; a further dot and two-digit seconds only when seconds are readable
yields 9.04
